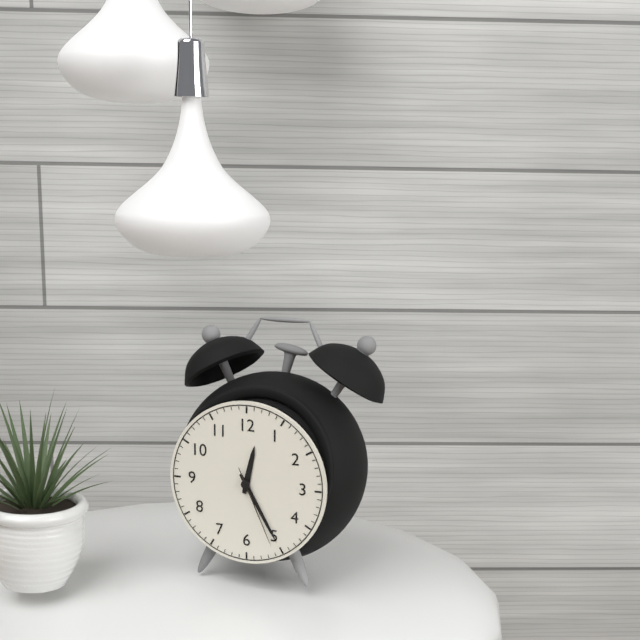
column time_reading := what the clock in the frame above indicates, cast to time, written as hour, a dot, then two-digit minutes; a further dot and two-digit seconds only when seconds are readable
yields 12.25.26
